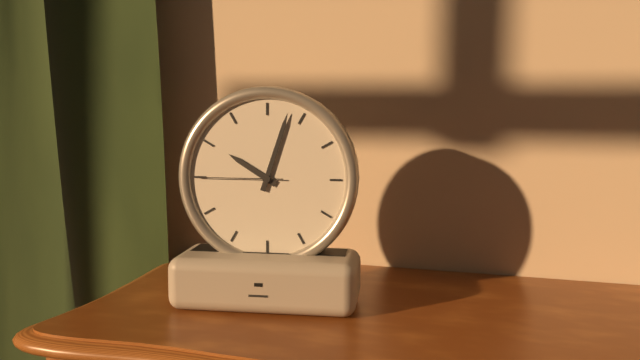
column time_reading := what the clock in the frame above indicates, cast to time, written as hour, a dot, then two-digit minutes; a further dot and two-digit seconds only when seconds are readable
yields 10.03.45
